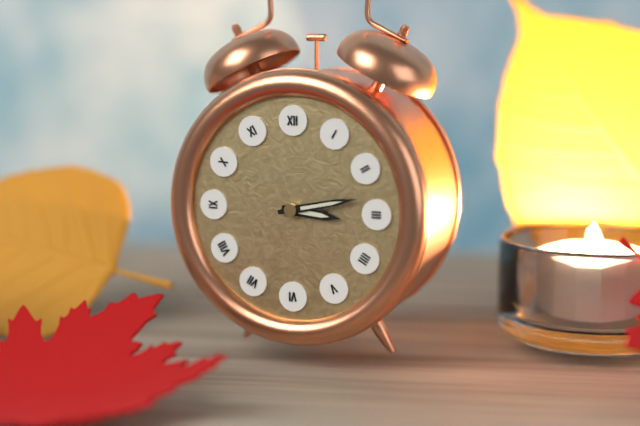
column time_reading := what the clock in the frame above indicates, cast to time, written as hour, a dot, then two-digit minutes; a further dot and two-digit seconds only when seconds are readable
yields 3.13
